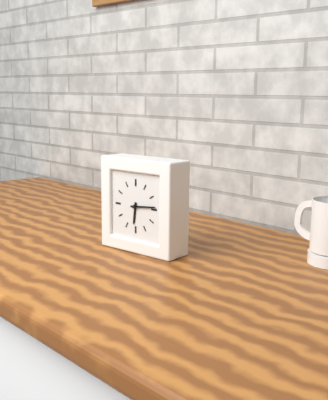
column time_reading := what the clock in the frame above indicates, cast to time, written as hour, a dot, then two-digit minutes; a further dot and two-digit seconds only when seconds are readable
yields 6.14
